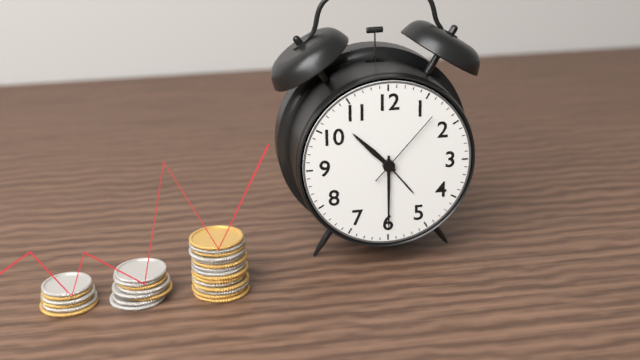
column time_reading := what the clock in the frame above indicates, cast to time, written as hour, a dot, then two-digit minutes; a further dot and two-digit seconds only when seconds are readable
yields 10.30.07
